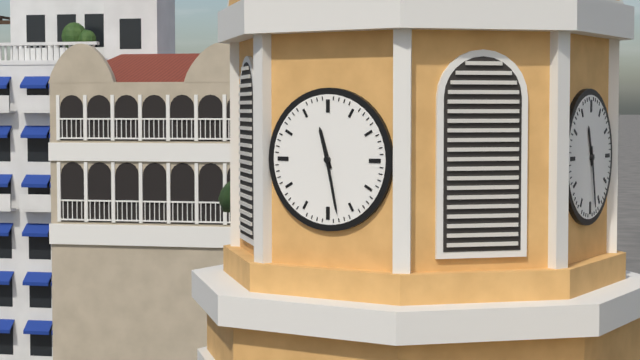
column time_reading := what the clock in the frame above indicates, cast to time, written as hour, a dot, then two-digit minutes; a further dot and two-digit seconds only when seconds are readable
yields 11.28
